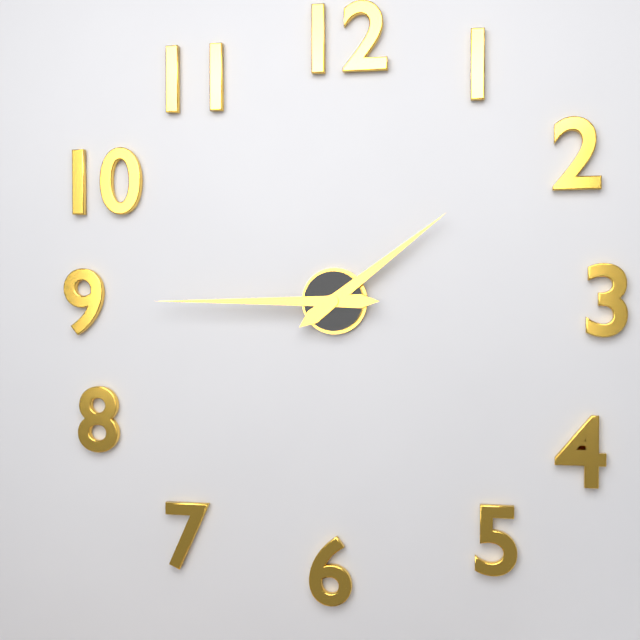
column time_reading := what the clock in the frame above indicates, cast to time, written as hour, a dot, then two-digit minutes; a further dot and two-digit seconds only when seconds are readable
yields 1.45
